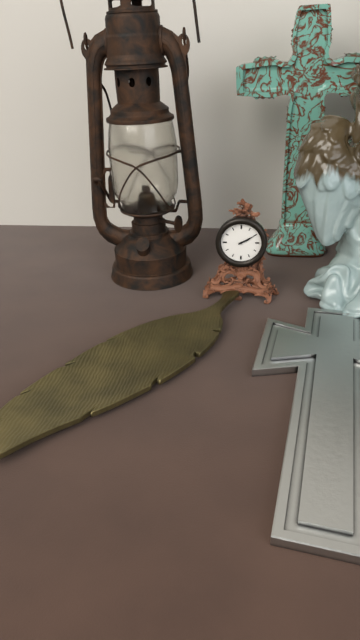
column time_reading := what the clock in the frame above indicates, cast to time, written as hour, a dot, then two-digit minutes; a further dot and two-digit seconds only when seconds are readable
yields 2.10
